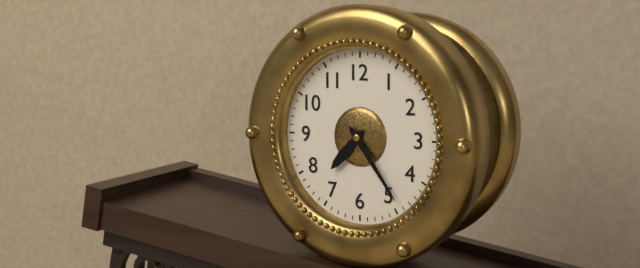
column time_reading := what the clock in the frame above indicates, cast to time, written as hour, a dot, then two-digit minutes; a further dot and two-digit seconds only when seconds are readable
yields 7.24
